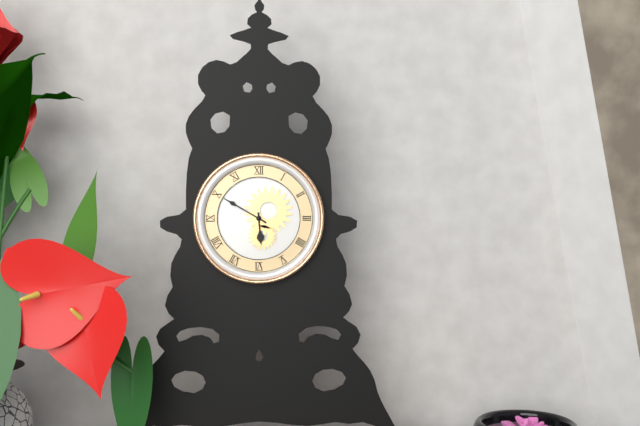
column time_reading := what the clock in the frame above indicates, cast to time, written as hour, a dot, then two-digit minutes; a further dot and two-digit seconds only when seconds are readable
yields 5.50
